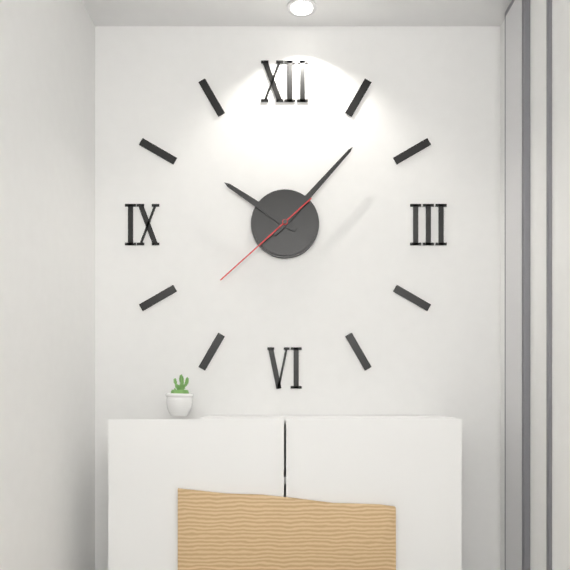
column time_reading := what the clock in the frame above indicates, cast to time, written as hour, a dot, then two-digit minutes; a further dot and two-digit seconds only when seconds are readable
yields 10.07.38
